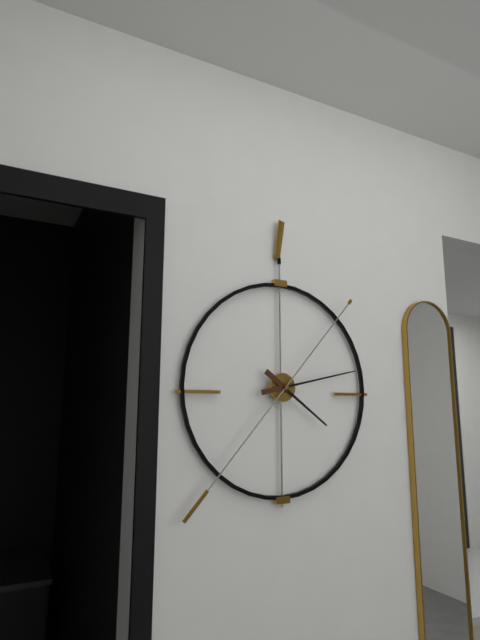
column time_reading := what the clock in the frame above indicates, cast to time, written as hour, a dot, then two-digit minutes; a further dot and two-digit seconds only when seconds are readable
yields 4.13.37
